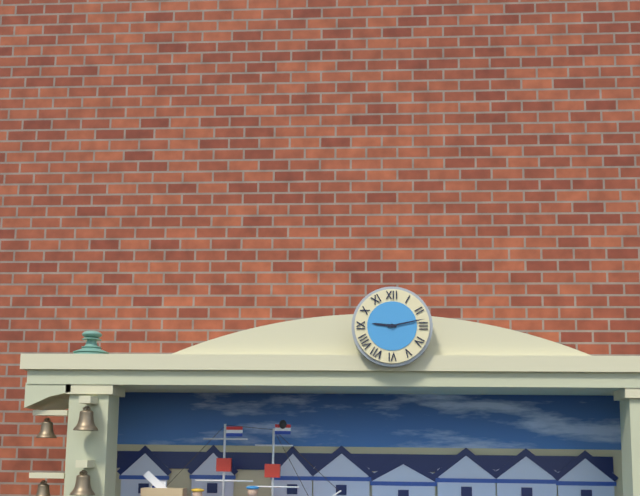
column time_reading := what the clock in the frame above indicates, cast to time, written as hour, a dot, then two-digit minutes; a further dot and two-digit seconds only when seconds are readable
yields 9.13
